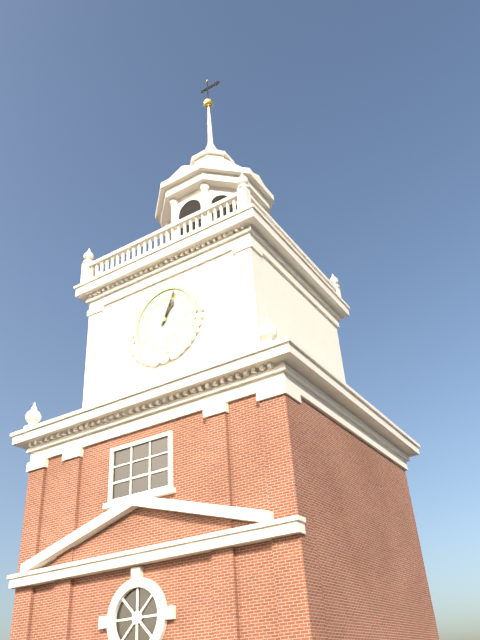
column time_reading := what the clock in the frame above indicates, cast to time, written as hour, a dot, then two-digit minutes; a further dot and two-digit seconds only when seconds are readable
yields 1.04
